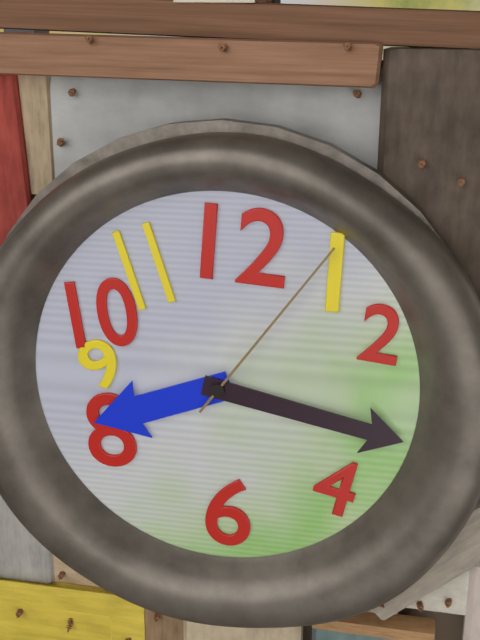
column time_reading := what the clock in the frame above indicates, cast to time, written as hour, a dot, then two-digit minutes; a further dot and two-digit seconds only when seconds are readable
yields 8.17.06
